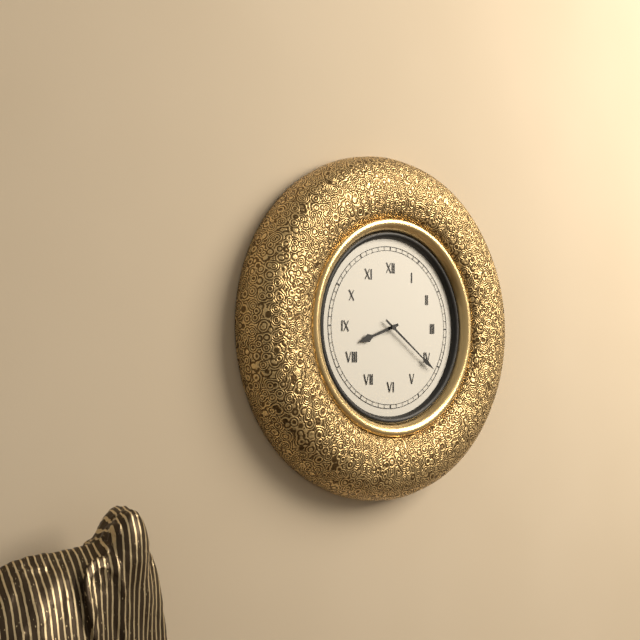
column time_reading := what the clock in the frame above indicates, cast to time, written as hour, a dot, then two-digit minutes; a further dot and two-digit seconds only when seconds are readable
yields 8.21
